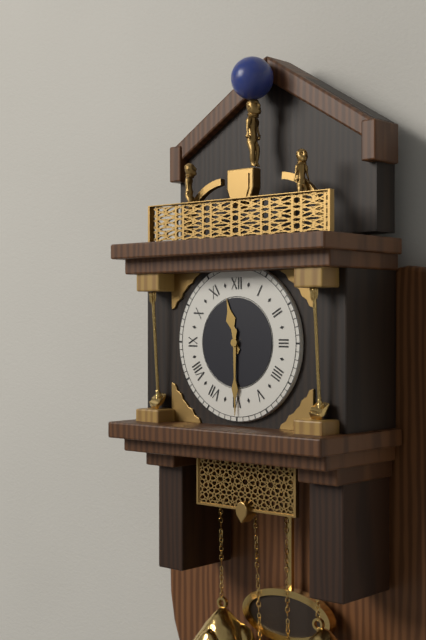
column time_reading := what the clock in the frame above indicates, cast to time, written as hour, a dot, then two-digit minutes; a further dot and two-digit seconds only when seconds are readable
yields 11.30
